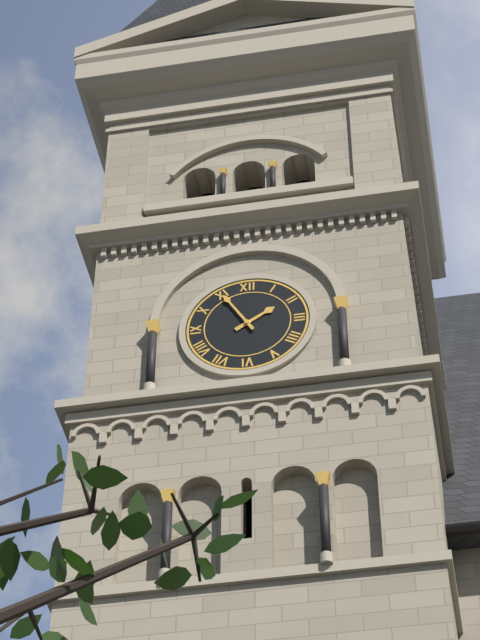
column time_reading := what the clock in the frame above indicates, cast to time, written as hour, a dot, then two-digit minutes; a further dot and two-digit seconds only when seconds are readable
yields 1.55
